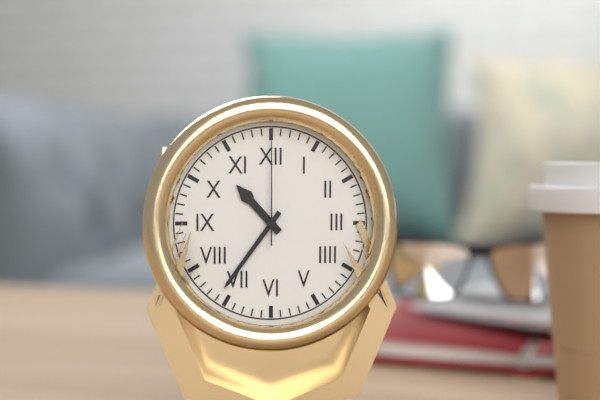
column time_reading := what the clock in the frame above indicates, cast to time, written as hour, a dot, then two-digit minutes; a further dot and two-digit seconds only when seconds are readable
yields 10.36.00
